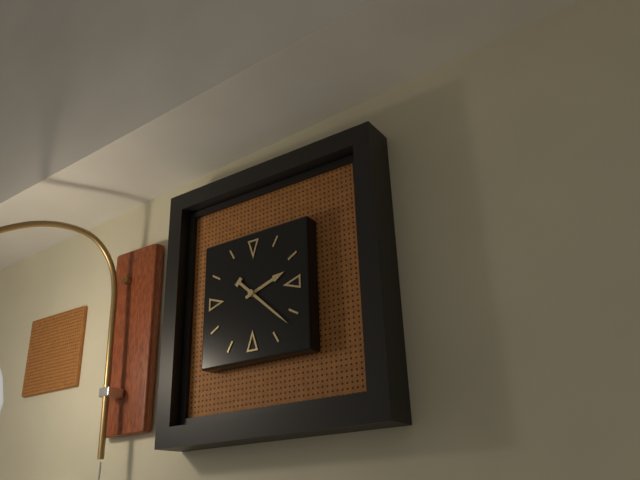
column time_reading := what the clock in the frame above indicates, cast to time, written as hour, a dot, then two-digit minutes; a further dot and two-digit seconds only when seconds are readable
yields 2.22
